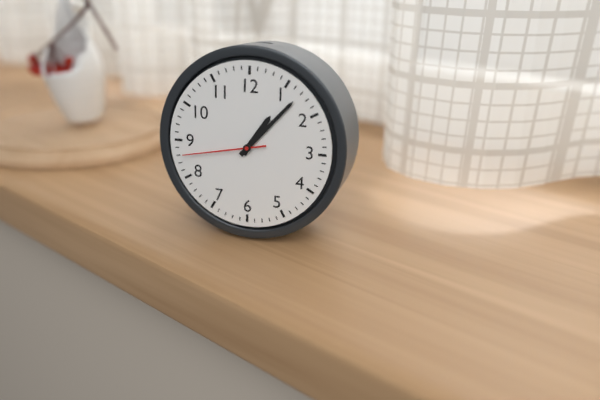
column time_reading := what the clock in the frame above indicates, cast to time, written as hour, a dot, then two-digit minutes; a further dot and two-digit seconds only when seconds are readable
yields 1.07.43
